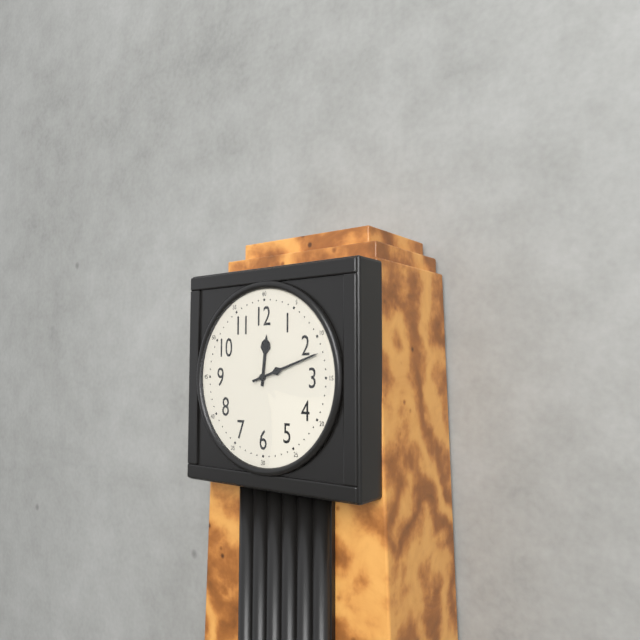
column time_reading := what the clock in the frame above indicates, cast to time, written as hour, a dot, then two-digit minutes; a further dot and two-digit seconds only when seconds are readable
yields 12.12
